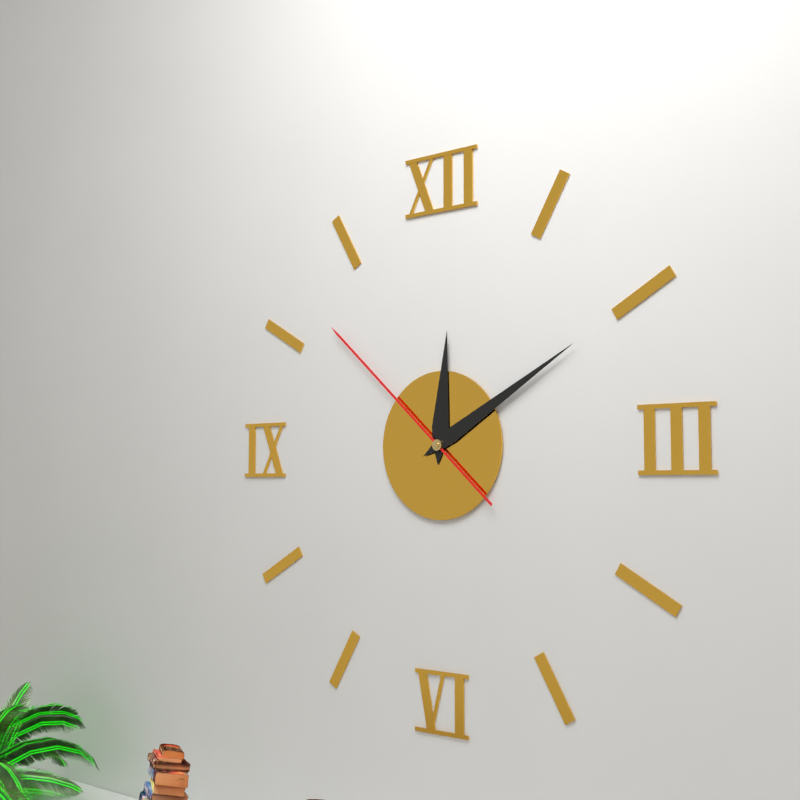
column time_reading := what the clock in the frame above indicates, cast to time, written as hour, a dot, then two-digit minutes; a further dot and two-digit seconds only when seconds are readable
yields 12.10.52
